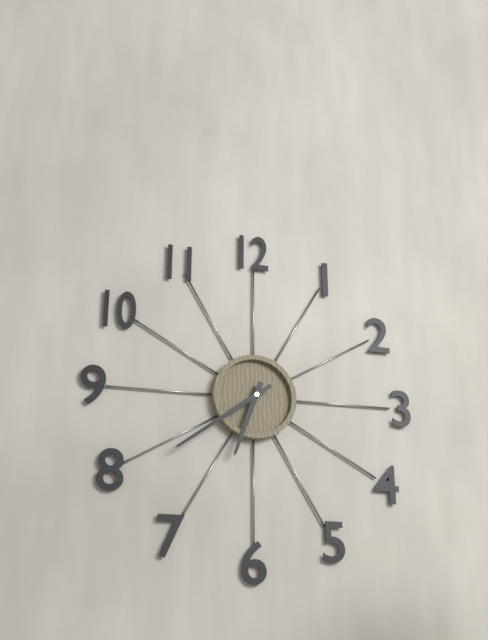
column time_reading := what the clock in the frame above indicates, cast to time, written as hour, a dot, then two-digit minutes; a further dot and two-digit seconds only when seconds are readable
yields 6.39
